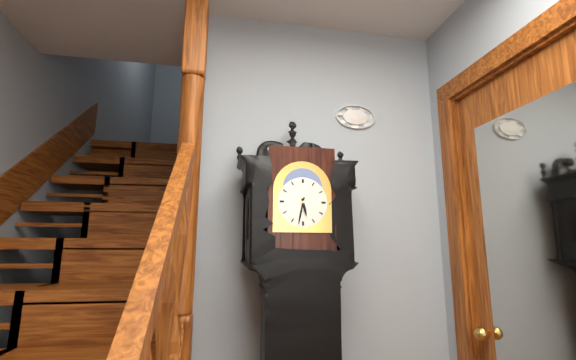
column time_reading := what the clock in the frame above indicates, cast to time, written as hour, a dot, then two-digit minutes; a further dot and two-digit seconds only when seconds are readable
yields 5.32
